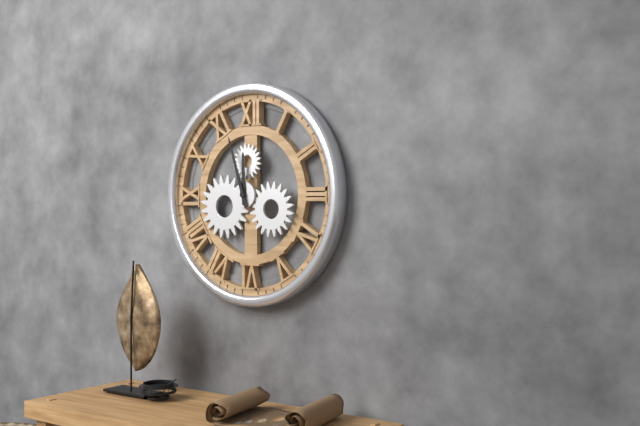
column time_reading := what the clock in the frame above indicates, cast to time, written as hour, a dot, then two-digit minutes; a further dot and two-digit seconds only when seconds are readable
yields 11.57
